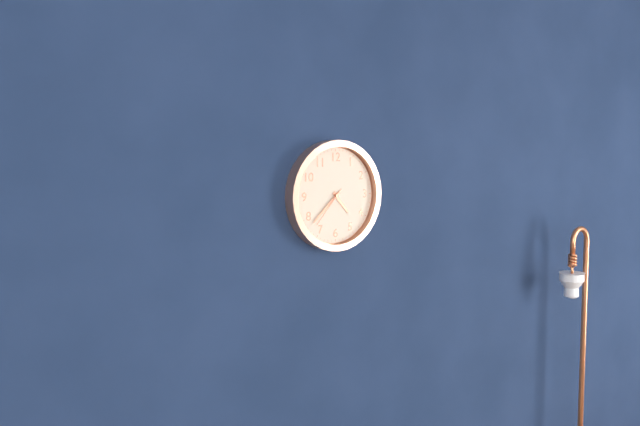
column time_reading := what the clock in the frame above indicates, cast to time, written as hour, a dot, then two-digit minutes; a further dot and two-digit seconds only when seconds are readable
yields 4.38
